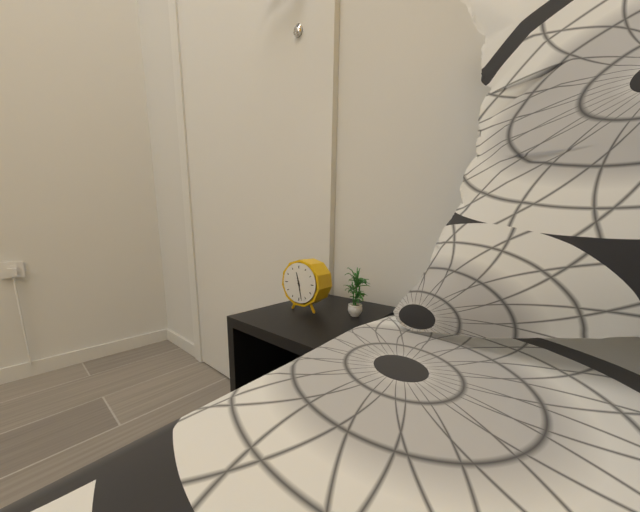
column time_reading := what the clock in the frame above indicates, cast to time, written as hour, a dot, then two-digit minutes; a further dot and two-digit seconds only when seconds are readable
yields 11.28
